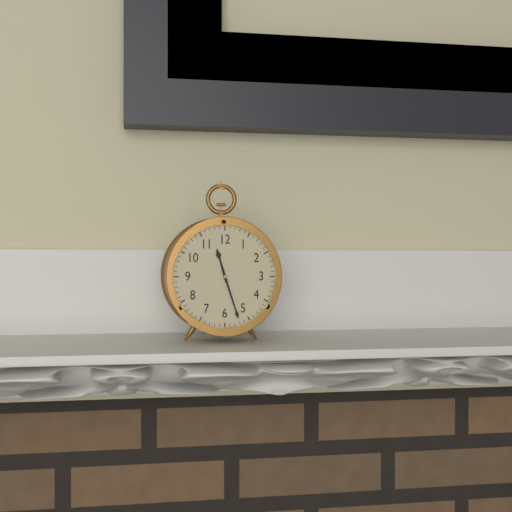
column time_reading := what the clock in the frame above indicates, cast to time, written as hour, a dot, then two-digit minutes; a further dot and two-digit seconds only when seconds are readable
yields 11.27
